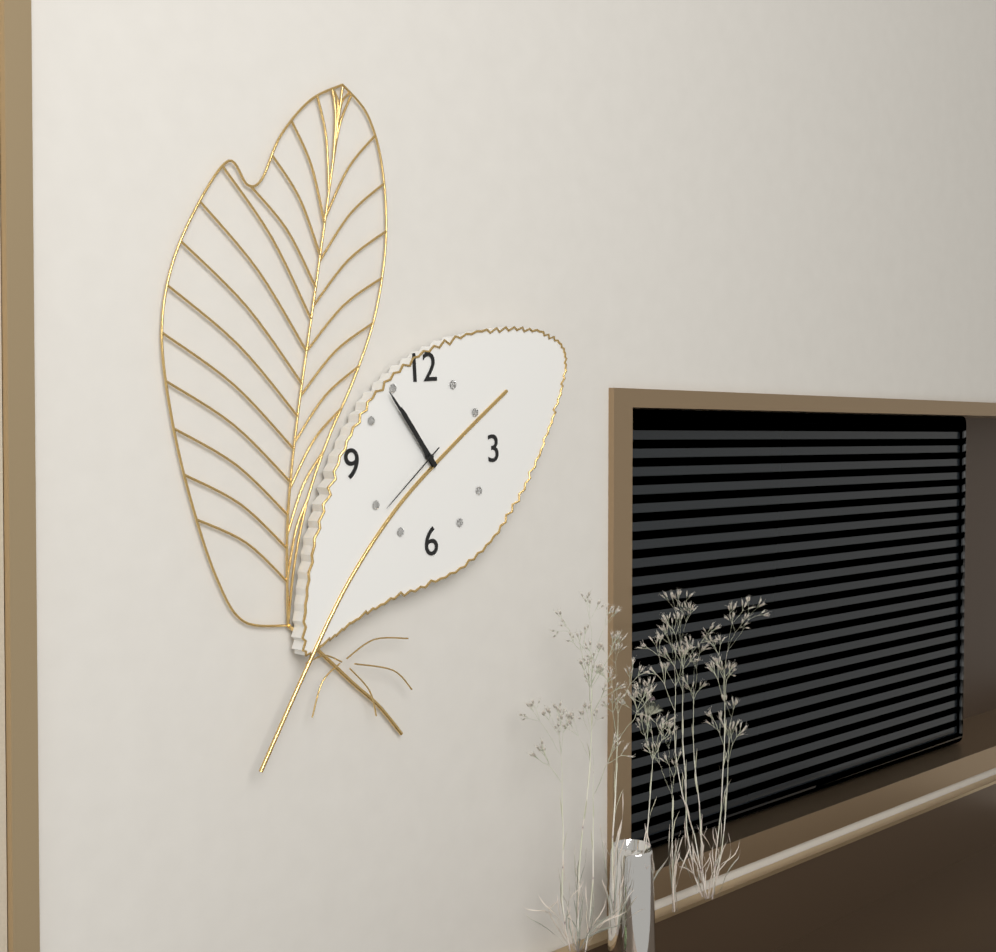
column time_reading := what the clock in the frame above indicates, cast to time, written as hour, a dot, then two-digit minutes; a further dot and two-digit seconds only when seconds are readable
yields 10.54.39
